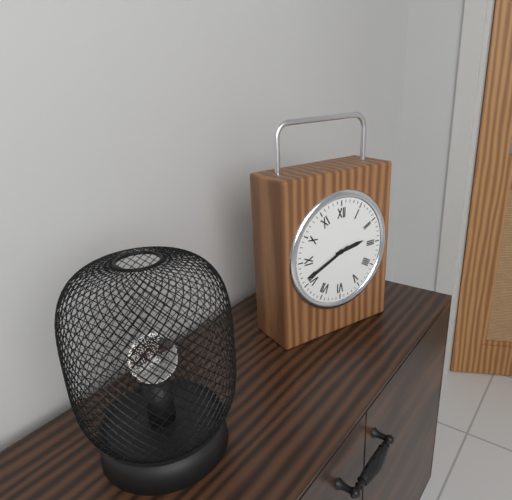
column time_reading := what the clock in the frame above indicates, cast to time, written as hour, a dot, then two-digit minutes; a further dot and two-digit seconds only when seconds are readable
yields 2.41
